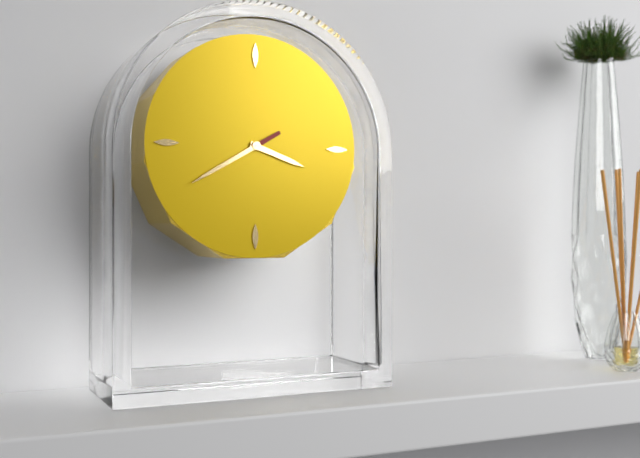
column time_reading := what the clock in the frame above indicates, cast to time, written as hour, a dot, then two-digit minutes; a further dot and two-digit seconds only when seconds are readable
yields 3.40
